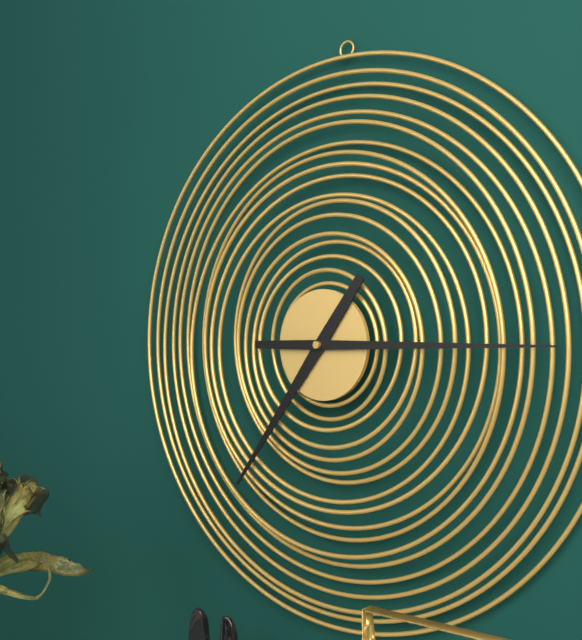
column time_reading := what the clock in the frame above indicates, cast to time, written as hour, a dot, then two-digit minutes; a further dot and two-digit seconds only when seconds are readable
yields 7.15
